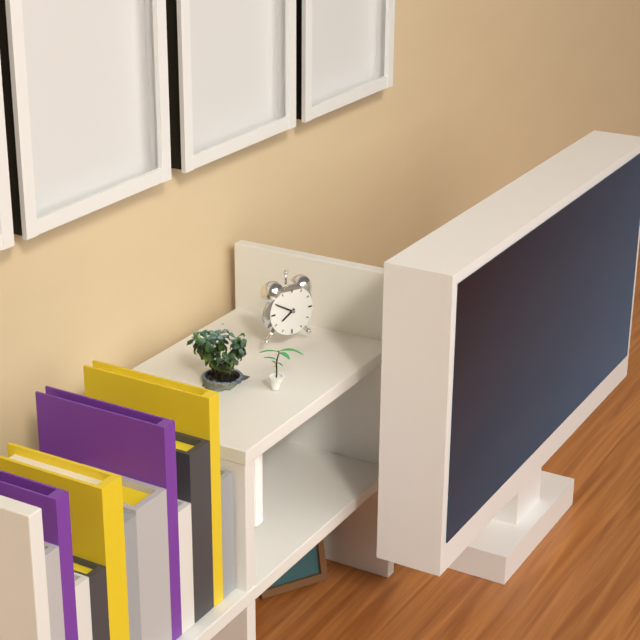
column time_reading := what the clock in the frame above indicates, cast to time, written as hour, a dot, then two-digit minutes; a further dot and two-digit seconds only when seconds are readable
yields 7.50
